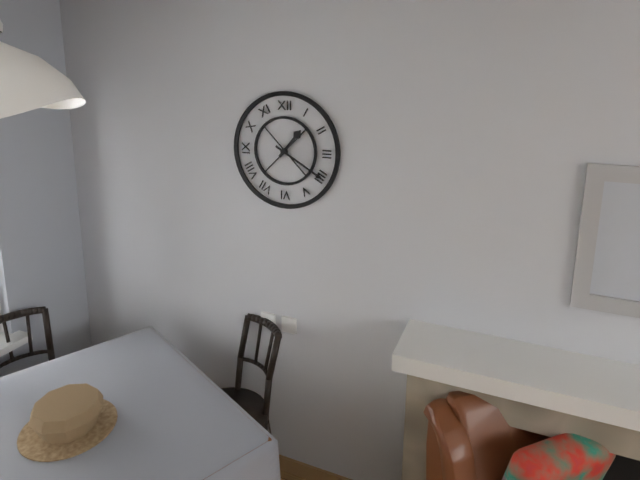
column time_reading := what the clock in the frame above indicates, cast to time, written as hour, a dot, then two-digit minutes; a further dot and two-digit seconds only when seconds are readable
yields 1.20
